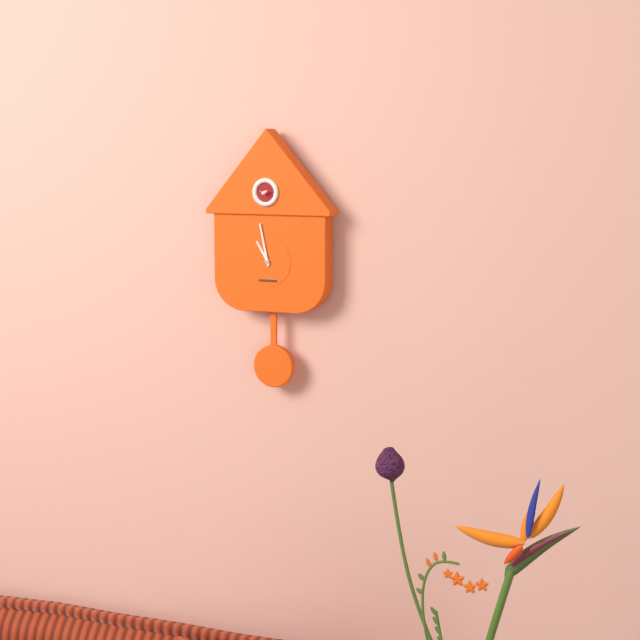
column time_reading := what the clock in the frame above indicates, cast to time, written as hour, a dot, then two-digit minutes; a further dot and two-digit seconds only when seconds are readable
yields 10.58
